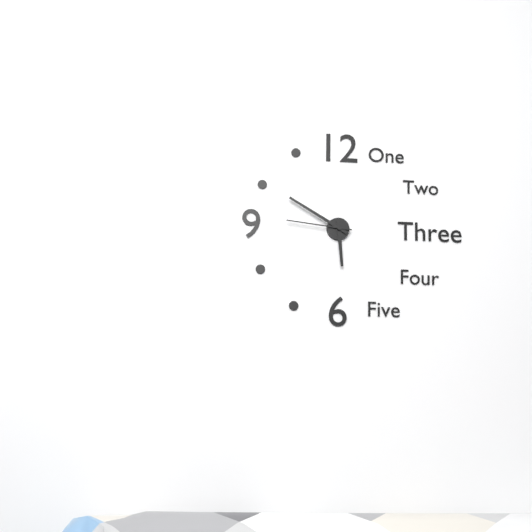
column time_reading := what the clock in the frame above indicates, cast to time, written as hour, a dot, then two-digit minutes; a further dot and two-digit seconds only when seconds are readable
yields 5.50.46
